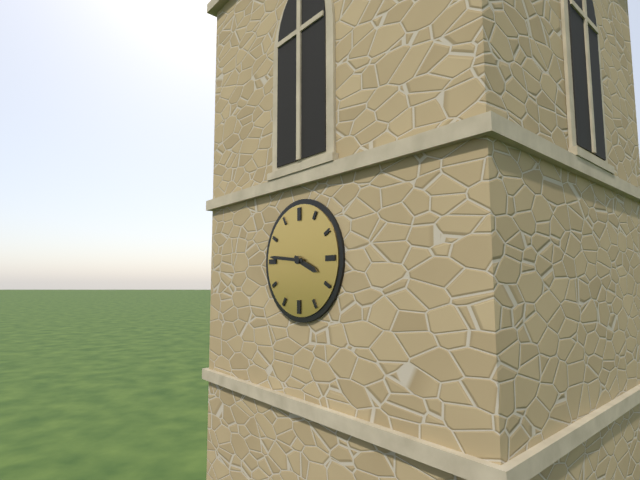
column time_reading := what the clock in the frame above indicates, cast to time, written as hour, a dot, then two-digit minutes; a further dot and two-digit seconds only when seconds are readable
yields 3.46
